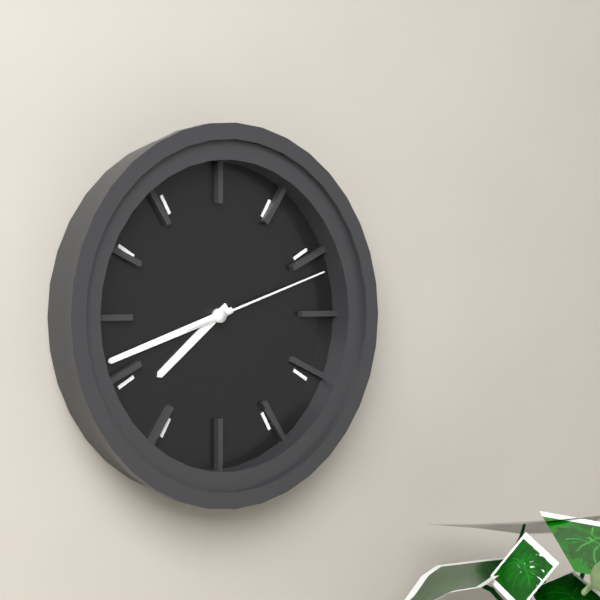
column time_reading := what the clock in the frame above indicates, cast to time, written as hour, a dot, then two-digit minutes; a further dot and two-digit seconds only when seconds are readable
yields 7.42.12
